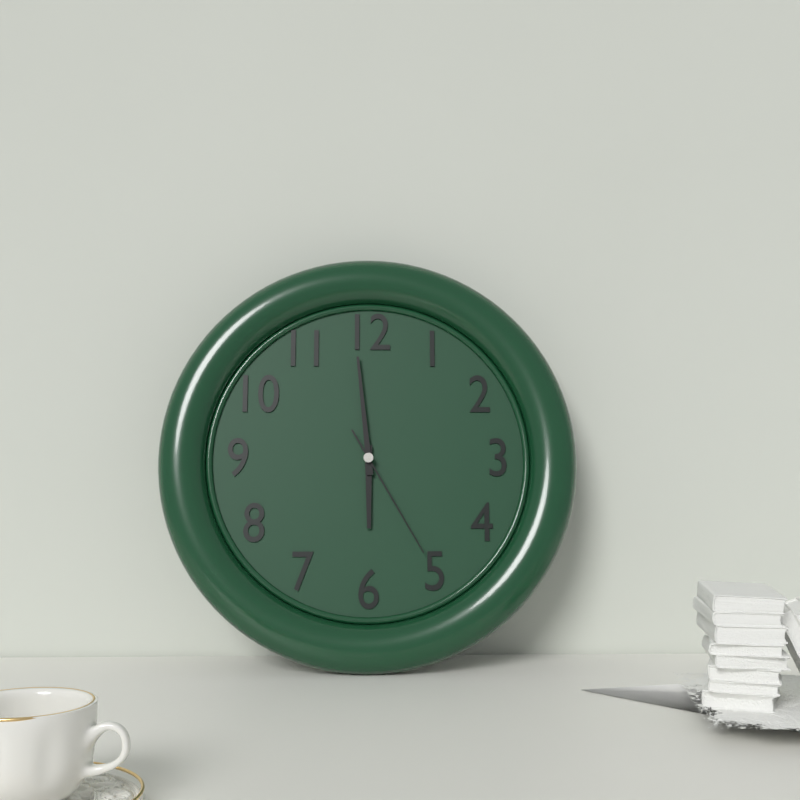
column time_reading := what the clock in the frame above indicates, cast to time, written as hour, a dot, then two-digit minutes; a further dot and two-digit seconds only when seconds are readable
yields 5.59.25
